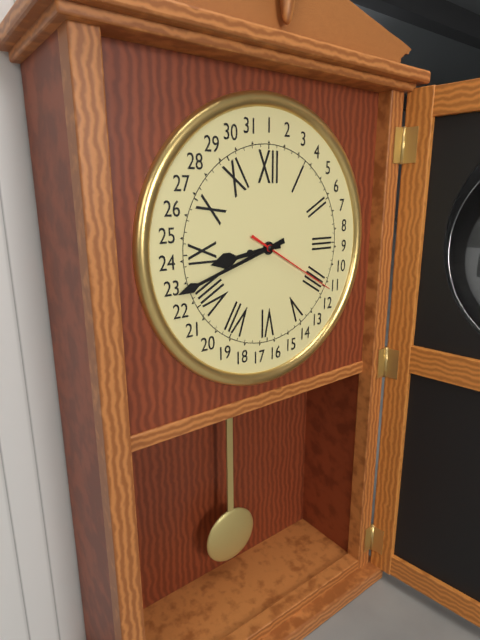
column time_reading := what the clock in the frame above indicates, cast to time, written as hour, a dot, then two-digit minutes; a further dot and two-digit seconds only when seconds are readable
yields 8.42.20
